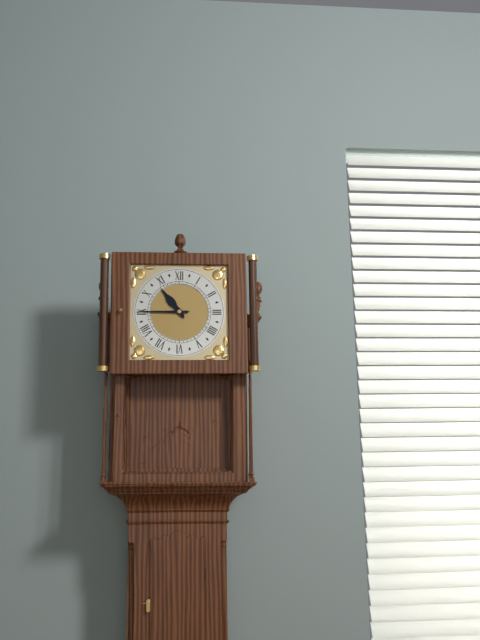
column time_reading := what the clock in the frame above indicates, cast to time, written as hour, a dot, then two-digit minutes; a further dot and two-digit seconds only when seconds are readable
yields 10.45
